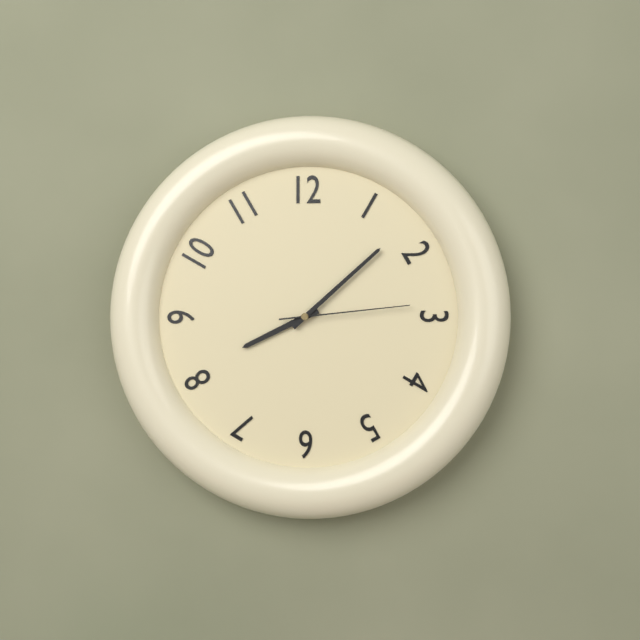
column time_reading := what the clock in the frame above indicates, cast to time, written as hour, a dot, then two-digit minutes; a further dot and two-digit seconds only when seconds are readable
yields 8.08.14
